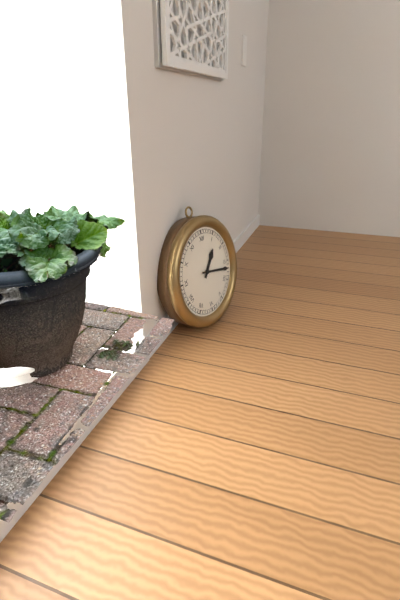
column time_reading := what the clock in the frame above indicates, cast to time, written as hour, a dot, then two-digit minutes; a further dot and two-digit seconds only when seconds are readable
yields 1.17
